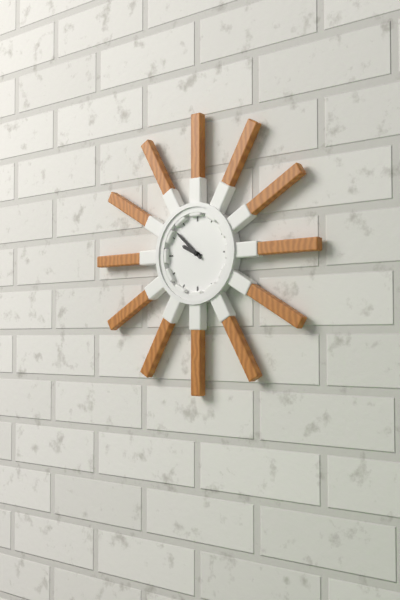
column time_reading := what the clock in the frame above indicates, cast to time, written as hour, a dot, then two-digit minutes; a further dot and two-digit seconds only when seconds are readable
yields 9.52
